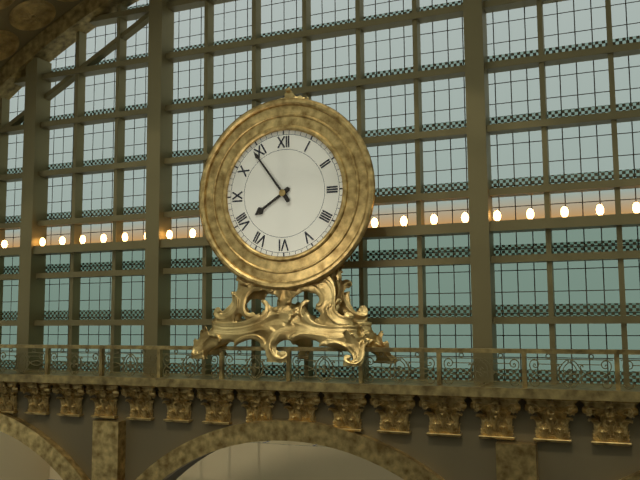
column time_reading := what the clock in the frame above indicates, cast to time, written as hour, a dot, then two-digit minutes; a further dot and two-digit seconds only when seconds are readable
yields 7.54
